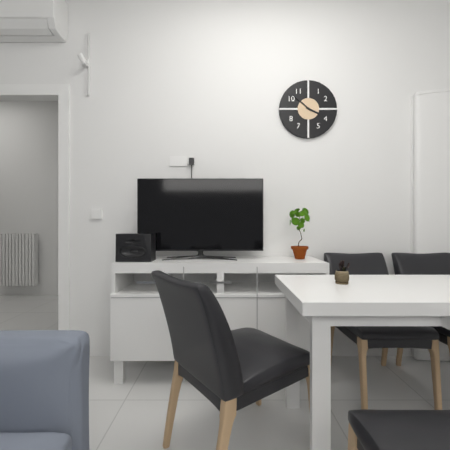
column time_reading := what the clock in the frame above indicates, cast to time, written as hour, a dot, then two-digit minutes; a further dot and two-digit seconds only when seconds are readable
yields 3.52
